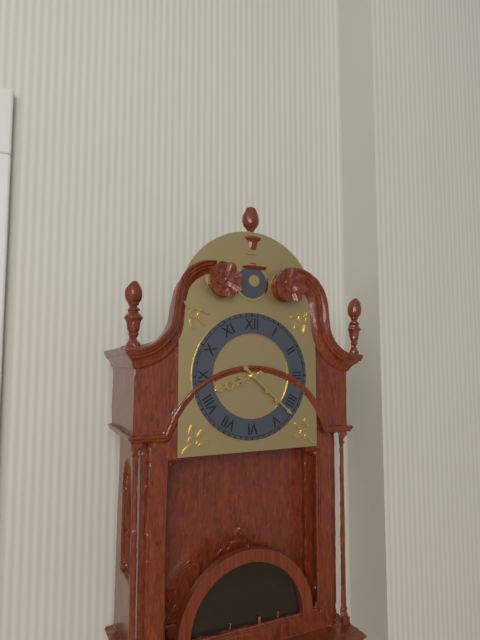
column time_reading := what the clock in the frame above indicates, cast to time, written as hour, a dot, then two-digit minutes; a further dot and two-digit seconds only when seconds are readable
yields 8.22
